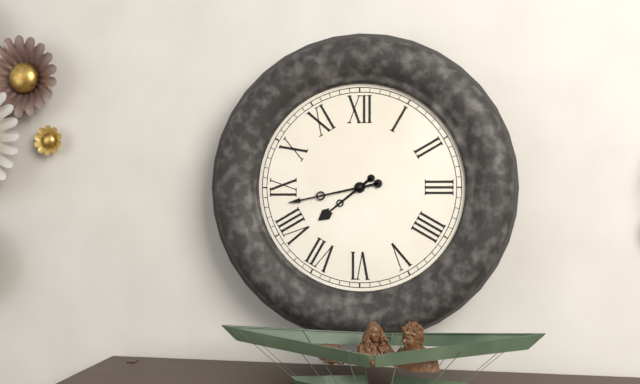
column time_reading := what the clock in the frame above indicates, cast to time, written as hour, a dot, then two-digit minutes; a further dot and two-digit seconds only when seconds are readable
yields 7.43
